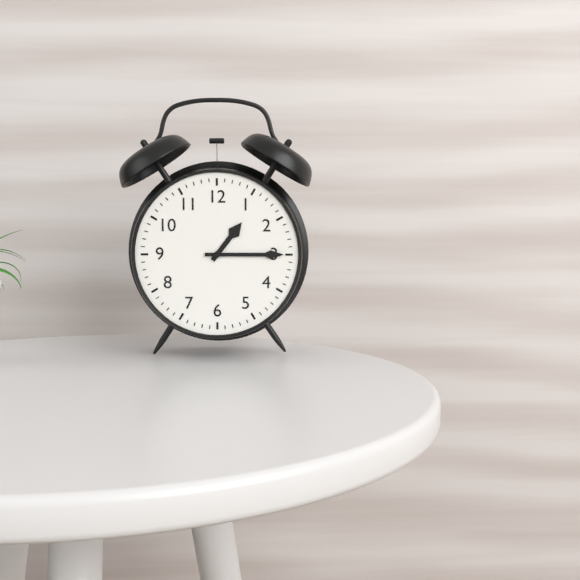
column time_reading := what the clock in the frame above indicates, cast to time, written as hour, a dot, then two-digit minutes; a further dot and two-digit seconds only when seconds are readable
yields 1.15
